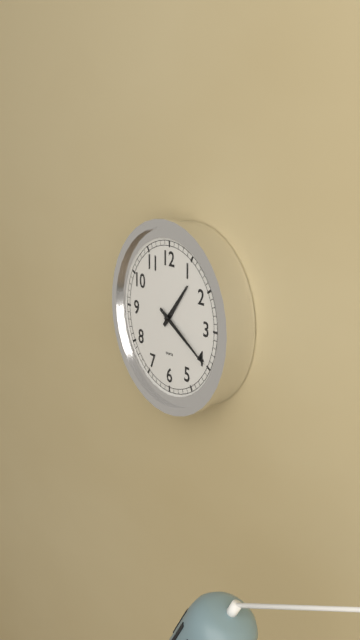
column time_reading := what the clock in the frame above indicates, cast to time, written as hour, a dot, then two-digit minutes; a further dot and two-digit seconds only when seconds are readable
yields 1.20
